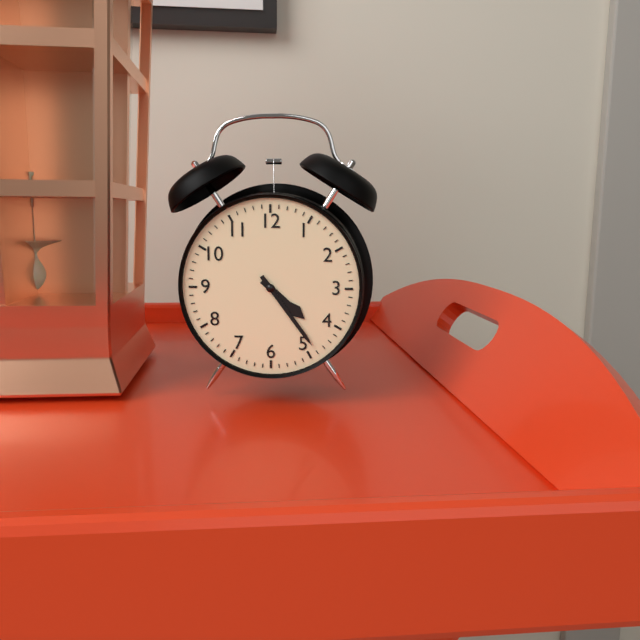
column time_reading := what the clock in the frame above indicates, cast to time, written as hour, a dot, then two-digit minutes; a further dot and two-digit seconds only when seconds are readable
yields 4.24
